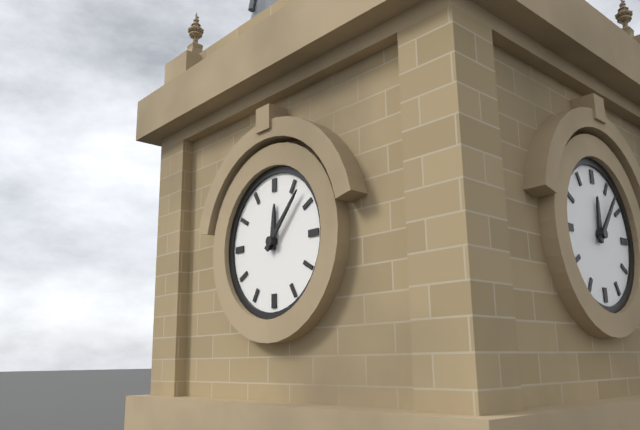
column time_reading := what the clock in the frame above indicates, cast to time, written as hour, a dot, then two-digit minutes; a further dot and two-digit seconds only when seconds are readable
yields 12.07
